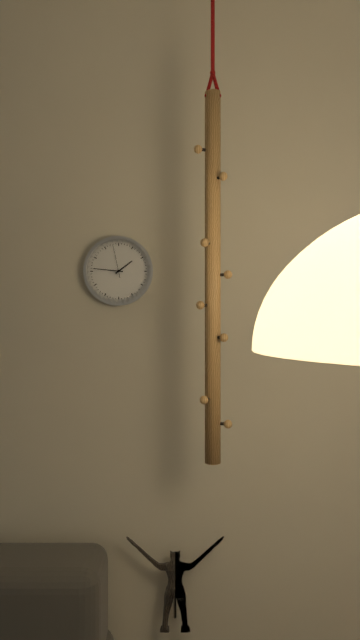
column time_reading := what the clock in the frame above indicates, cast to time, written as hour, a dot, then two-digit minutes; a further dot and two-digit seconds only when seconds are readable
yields 1.46
